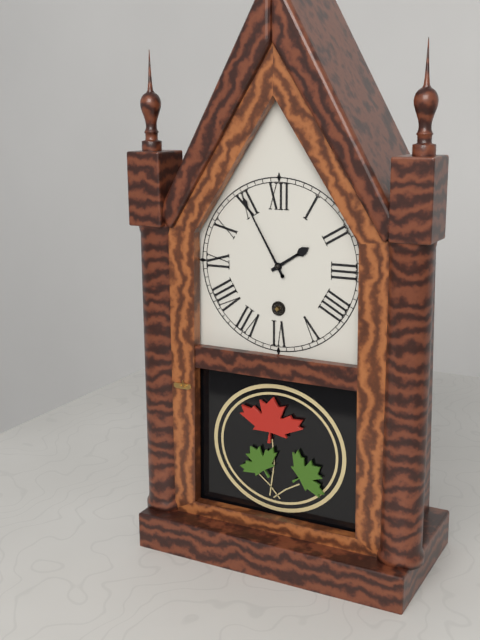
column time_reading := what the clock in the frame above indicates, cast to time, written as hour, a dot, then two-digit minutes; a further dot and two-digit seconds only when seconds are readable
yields 1.55
